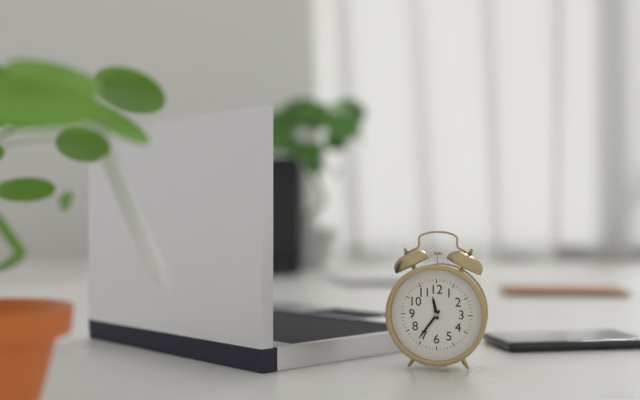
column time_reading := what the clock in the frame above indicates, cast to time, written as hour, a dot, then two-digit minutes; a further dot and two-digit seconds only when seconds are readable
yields 11.36
